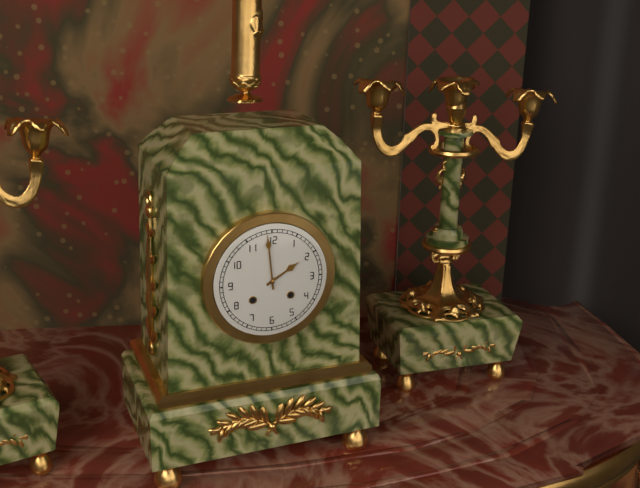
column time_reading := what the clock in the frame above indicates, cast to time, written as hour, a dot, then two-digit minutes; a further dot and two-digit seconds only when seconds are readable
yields 1.59
